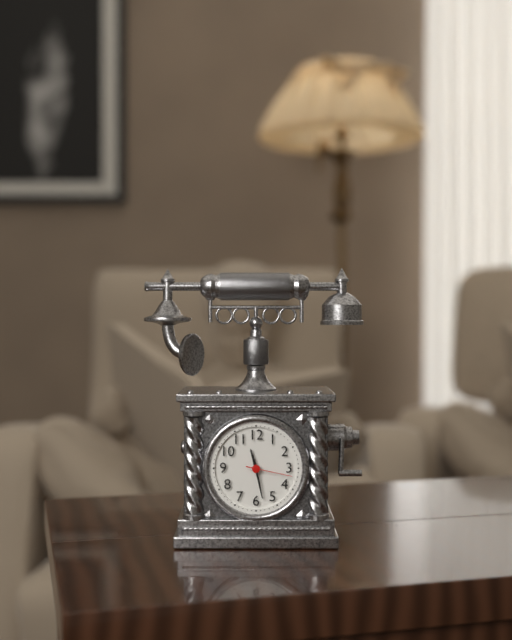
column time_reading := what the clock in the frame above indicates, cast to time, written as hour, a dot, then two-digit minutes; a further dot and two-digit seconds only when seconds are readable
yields 11.28
